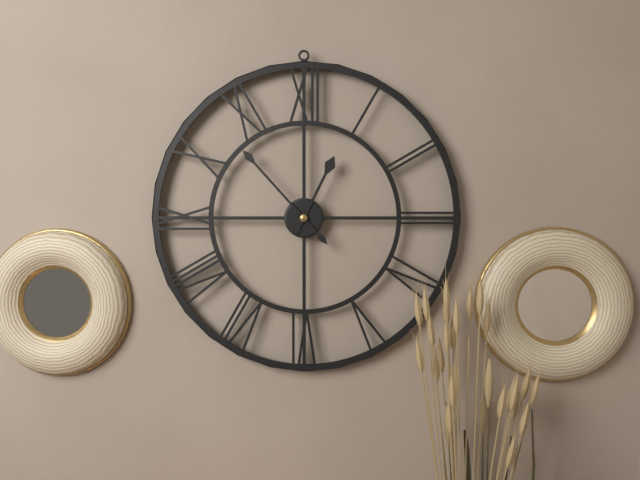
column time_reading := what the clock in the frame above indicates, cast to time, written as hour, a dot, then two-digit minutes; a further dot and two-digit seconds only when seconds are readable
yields 12.53
